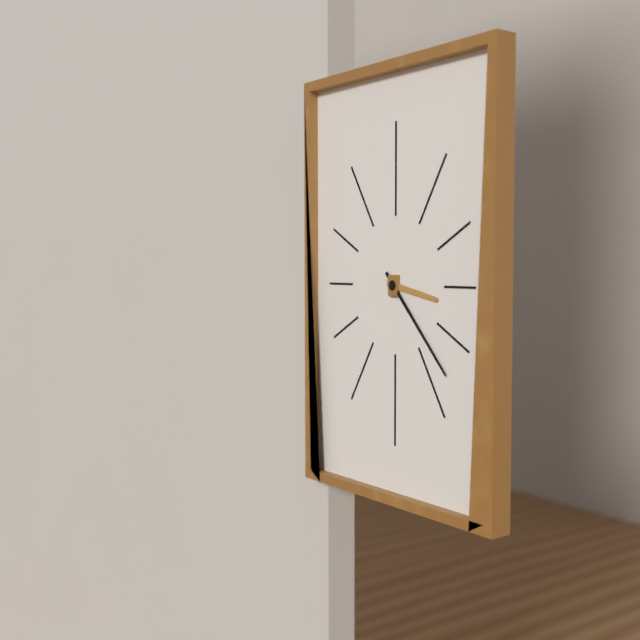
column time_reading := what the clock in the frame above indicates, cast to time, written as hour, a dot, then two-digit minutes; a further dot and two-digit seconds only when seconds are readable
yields 3.23
